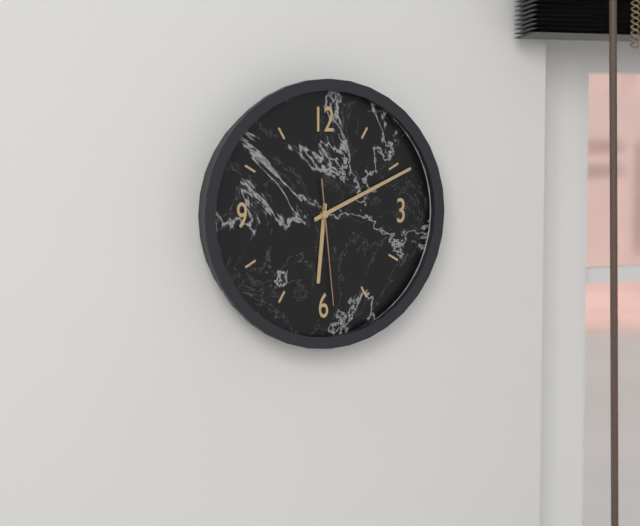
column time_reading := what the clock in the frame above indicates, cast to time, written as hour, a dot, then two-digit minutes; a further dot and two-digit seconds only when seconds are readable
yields 6.11.29
